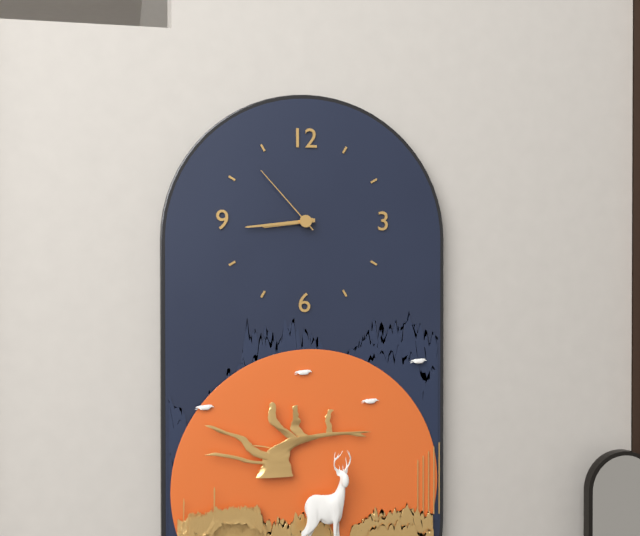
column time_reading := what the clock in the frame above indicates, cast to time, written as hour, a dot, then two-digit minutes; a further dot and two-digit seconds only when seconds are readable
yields 8.44.53
